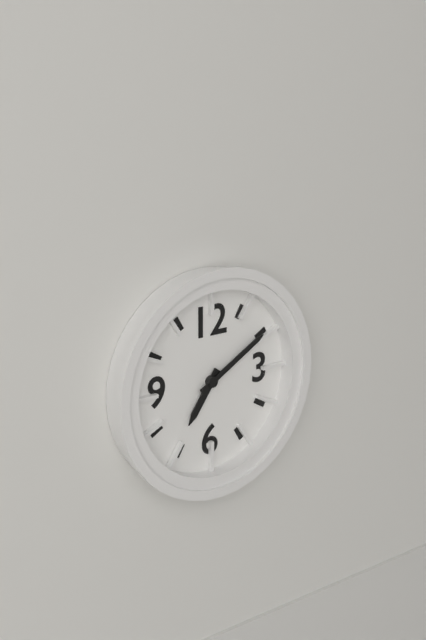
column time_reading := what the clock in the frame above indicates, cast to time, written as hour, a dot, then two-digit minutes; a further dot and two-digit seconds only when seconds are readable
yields 7.10
